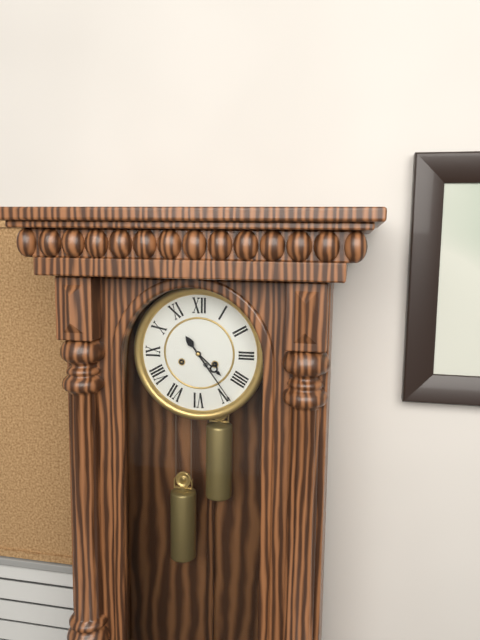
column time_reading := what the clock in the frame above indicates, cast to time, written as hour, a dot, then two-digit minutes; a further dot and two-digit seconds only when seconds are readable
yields 4.24
